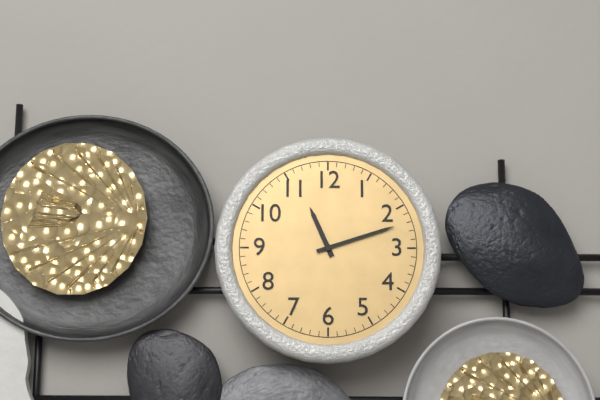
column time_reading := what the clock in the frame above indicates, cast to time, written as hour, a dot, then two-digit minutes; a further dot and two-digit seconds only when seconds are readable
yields 11.12
